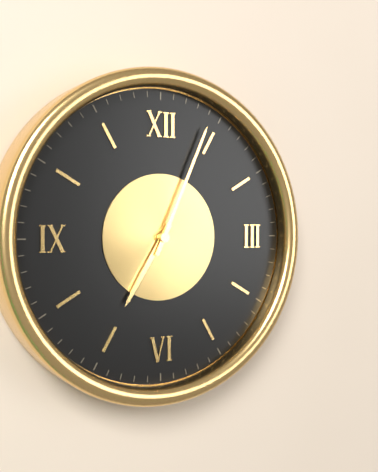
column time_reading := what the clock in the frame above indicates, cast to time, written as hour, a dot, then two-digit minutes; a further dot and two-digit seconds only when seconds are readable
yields 7.04
